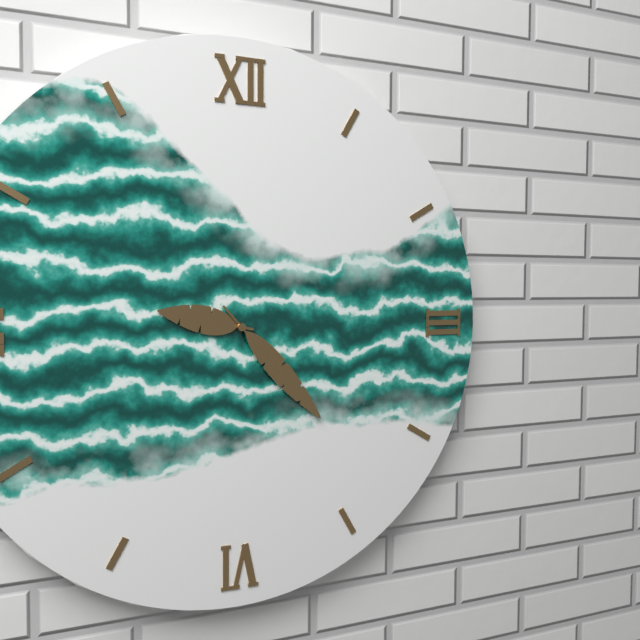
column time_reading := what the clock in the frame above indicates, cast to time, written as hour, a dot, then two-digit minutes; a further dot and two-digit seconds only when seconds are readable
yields 9.23
